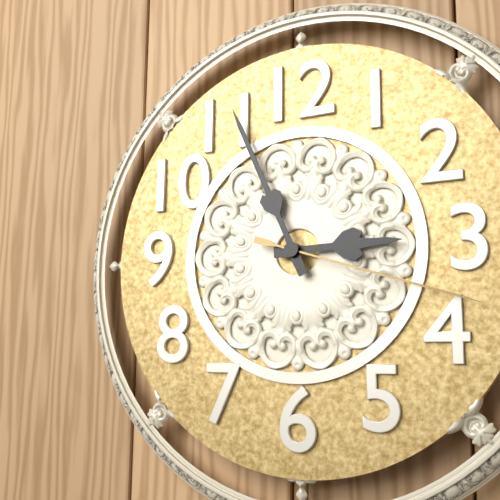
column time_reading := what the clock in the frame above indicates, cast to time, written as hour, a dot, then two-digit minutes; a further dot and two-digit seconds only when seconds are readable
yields 2.56.18
